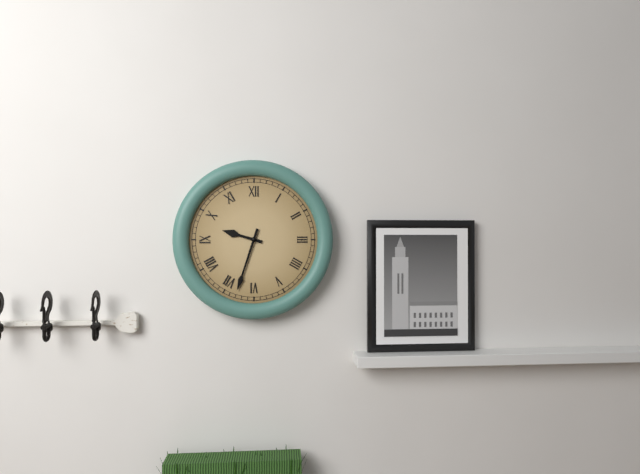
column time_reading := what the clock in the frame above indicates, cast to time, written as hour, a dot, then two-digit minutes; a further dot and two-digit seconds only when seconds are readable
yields 9.33
